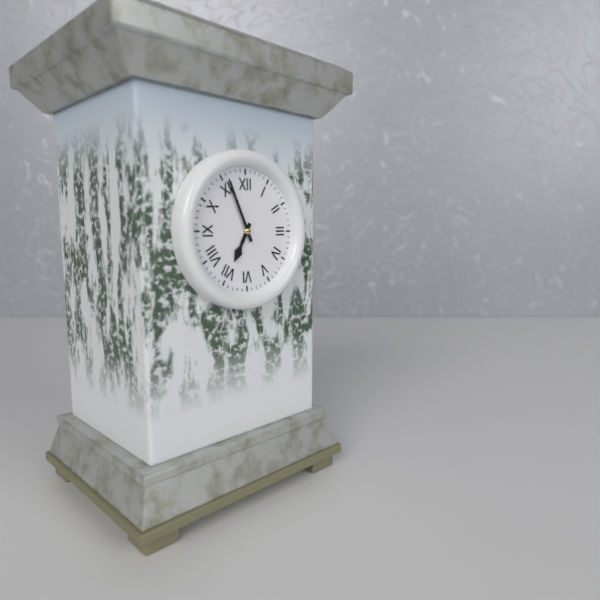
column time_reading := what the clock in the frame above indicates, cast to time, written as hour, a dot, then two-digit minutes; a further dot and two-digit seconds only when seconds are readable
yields 6.56
